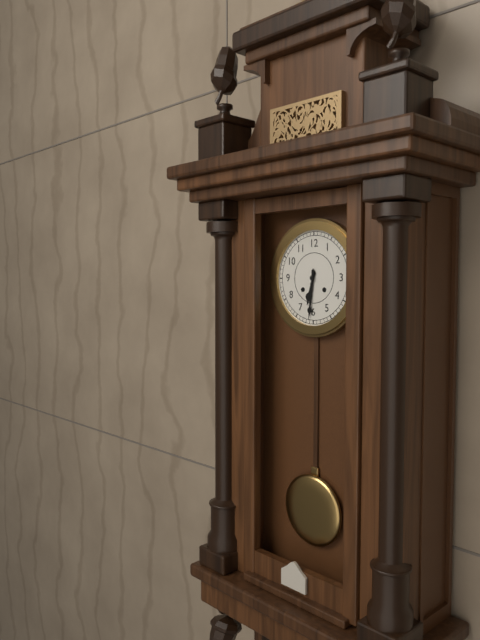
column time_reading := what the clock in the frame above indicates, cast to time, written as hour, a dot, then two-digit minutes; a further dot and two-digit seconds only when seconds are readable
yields 6.31
